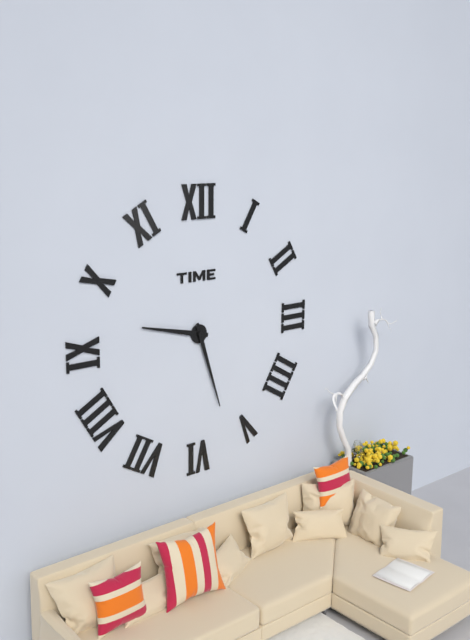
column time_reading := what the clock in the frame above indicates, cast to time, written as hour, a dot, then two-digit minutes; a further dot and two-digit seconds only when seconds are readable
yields 9.27
